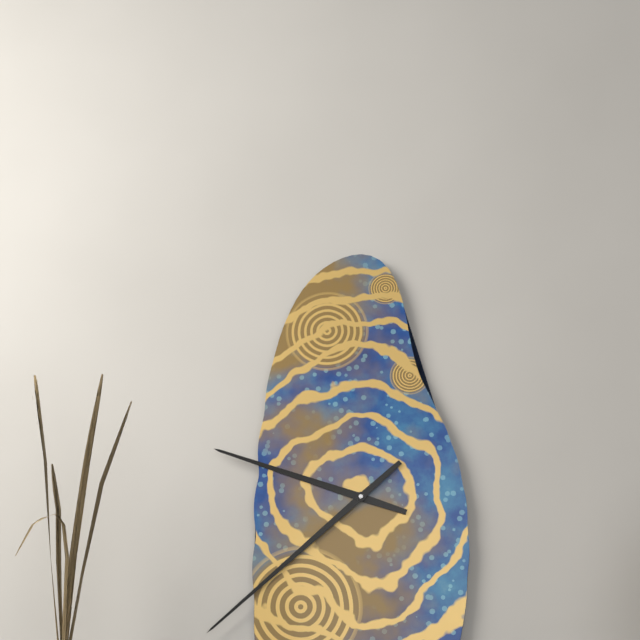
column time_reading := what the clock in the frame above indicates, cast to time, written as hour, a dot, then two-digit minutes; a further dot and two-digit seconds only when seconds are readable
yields 9.38
